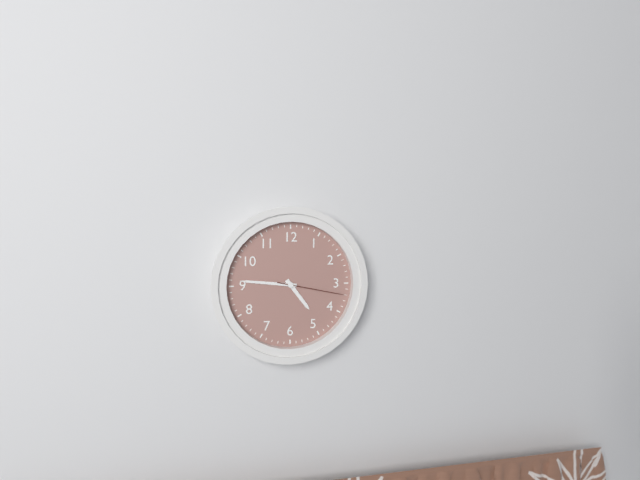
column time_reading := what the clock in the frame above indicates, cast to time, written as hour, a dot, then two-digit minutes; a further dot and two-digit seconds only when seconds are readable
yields 4.46.17
